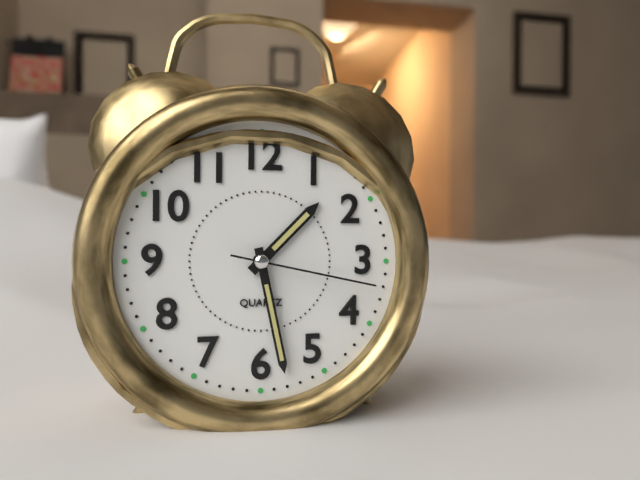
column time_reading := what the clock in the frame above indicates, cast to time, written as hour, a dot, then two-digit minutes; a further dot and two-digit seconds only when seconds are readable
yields 1.28.17
